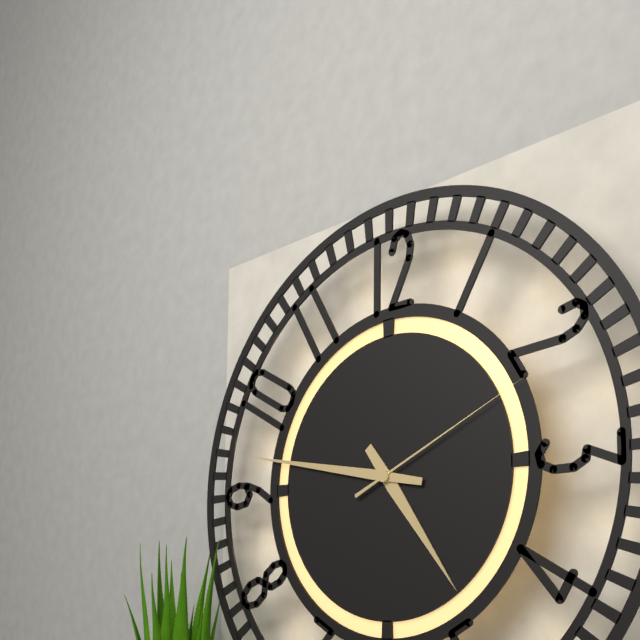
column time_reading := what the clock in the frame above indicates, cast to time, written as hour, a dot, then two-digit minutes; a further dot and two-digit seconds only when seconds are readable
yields 4.47.11
